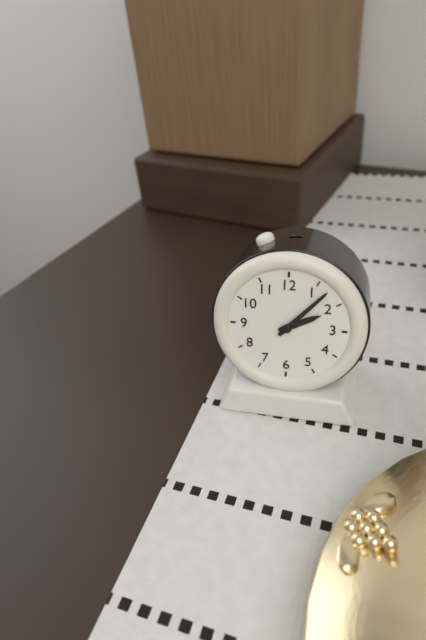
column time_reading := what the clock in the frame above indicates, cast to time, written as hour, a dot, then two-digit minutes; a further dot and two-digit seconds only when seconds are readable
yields 2.07
